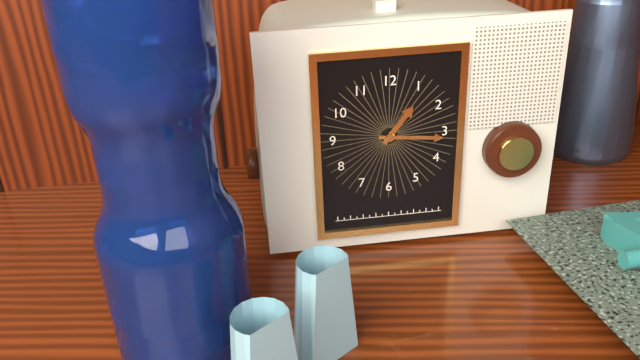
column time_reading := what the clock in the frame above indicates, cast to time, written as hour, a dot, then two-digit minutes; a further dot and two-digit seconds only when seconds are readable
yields 1.16
